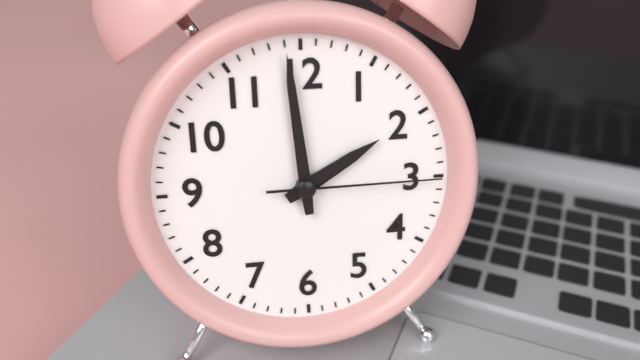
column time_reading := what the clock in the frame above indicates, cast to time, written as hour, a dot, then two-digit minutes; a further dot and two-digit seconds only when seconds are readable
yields 1.59.15
